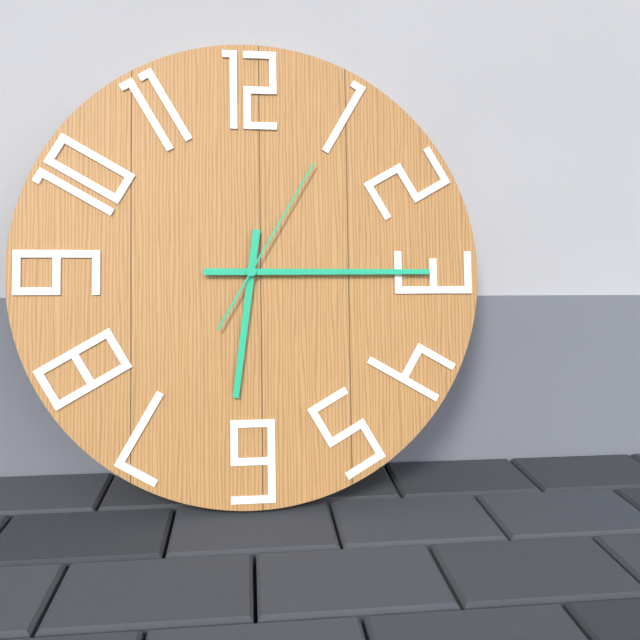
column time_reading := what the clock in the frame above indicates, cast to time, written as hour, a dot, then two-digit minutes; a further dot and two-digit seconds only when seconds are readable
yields 6.15.05
